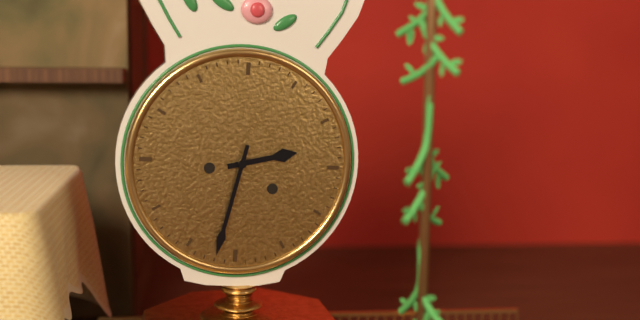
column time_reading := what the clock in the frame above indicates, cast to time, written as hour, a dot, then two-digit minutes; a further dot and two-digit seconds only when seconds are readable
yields 2.32
